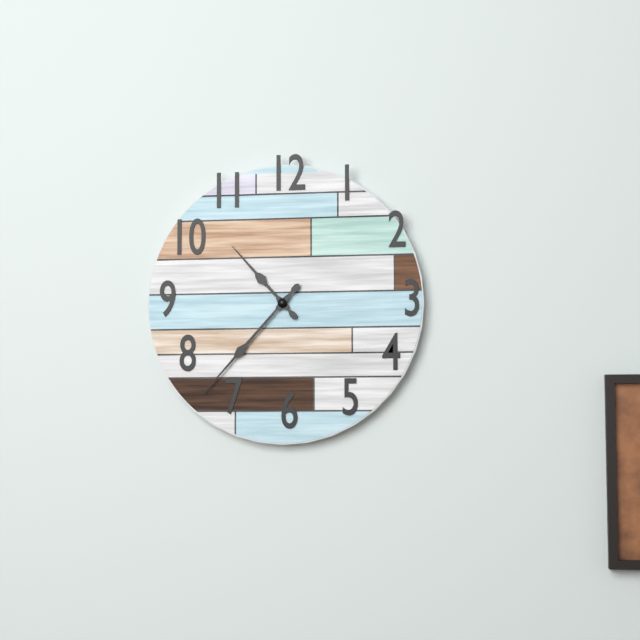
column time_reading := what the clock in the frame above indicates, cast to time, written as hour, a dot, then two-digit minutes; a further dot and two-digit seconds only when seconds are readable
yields 10.37
